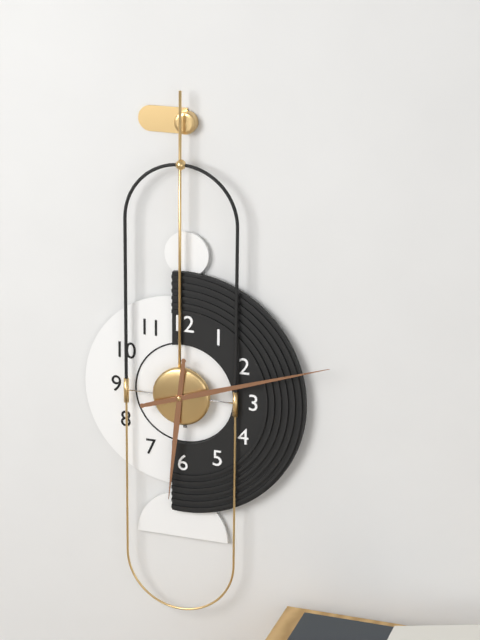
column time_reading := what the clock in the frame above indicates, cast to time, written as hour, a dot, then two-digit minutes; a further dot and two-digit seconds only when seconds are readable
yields 6.12
